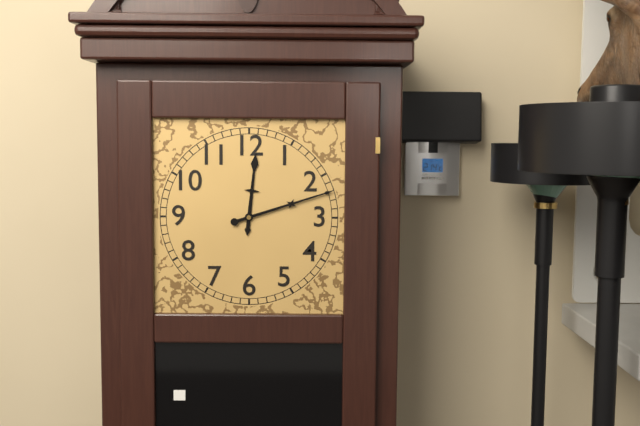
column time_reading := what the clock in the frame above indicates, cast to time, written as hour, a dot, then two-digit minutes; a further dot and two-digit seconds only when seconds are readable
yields 12.12
